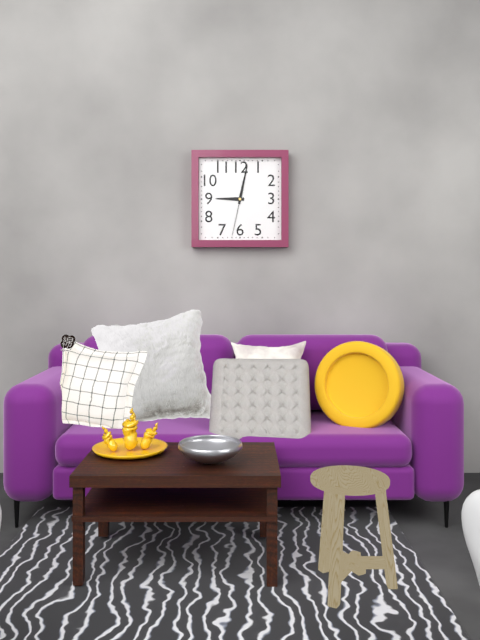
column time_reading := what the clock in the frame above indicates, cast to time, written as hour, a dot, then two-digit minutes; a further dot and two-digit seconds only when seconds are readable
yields 9.02
